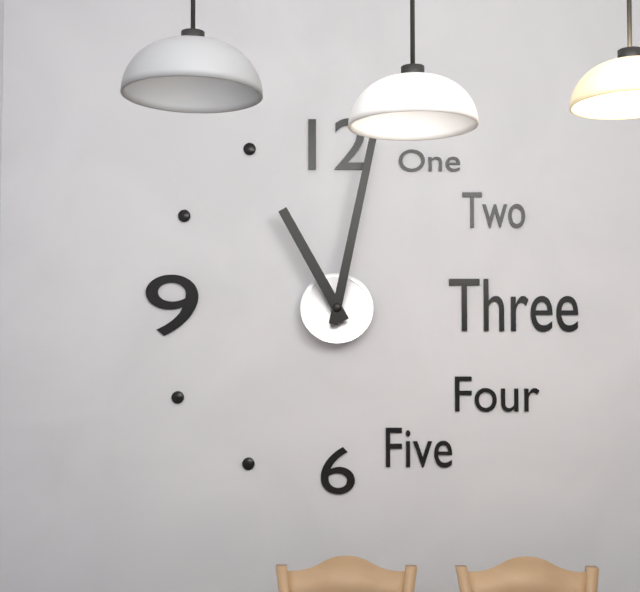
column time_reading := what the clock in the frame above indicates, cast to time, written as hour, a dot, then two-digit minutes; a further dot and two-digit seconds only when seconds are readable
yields 11.02
